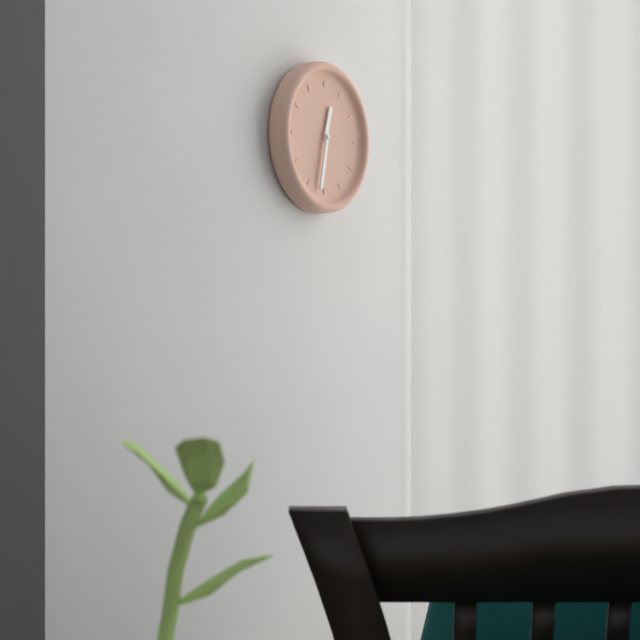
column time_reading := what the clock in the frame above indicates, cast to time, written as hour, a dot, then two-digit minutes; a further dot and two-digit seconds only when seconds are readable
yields 12.32
